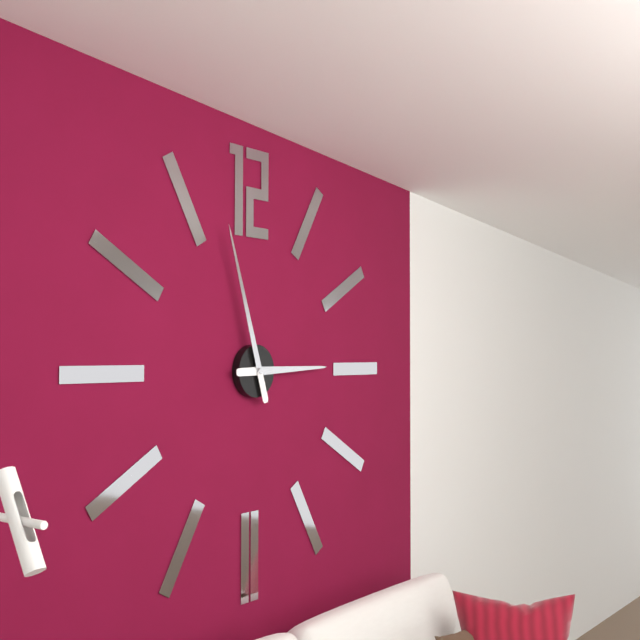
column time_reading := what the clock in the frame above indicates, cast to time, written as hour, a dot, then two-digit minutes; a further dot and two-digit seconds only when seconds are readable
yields 2.57
